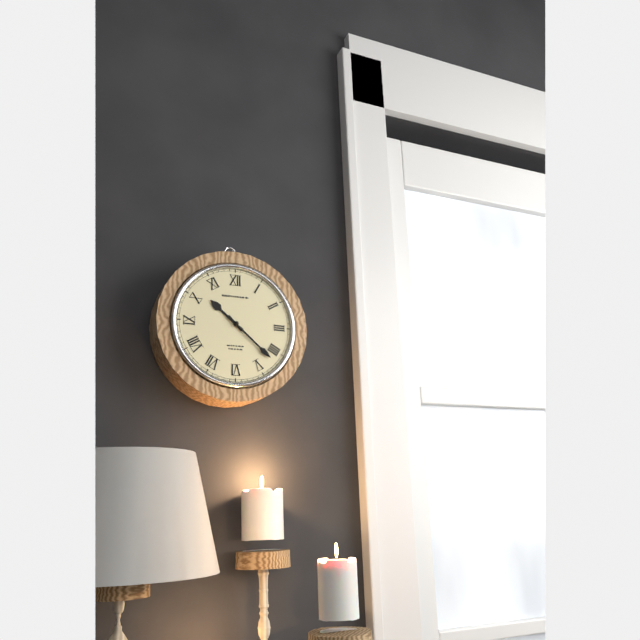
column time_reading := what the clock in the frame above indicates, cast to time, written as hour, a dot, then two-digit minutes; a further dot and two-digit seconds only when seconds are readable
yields 10.22
